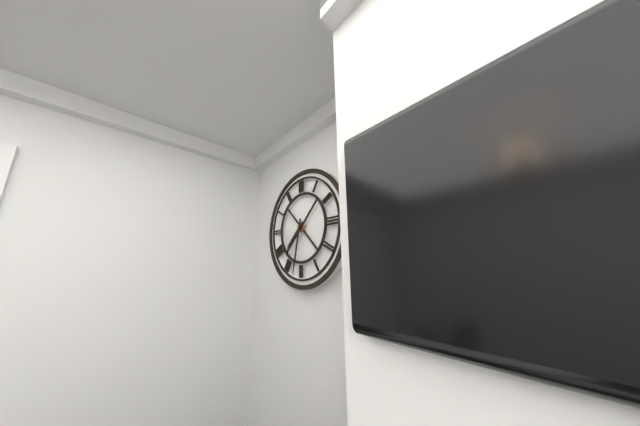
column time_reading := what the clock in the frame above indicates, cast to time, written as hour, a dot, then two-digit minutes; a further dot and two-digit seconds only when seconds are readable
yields 7.32
